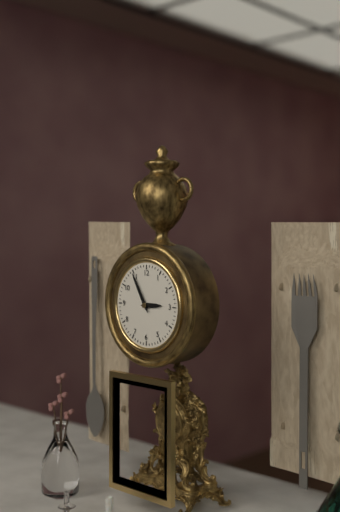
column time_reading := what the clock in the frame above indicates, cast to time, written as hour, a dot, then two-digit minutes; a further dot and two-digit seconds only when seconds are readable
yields 2.55
